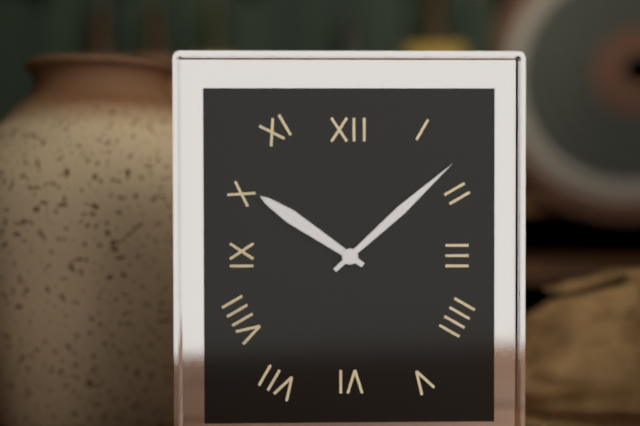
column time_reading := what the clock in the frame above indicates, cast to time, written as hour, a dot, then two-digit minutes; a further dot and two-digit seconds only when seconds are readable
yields 10.08
